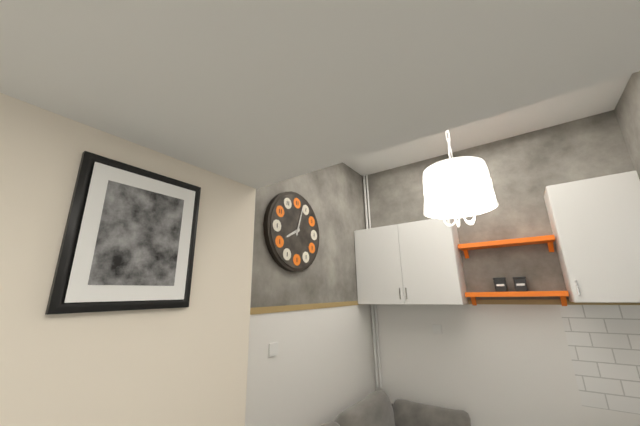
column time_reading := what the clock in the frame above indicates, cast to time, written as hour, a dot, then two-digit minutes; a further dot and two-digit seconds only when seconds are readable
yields 8.03
